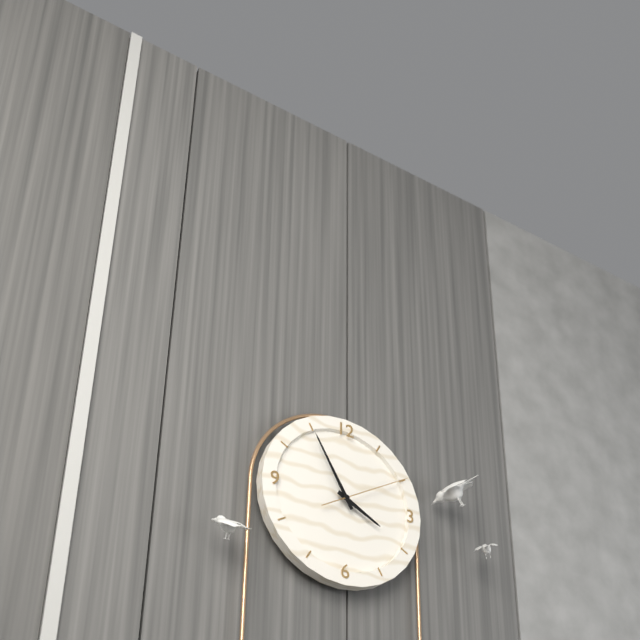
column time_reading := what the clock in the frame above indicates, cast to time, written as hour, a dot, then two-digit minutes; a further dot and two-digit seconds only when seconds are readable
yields 3.55.10
